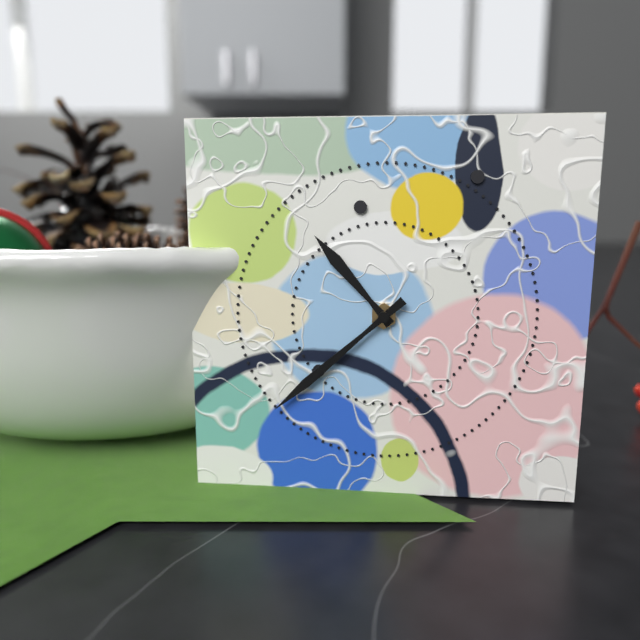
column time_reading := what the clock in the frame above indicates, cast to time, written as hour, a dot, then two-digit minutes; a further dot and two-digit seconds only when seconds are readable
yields 10.38
